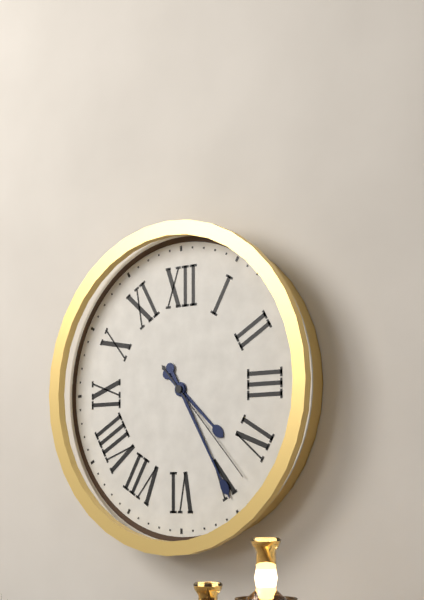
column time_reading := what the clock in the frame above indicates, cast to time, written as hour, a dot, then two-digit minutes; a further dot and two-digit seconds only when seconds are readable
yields 4.25.23
